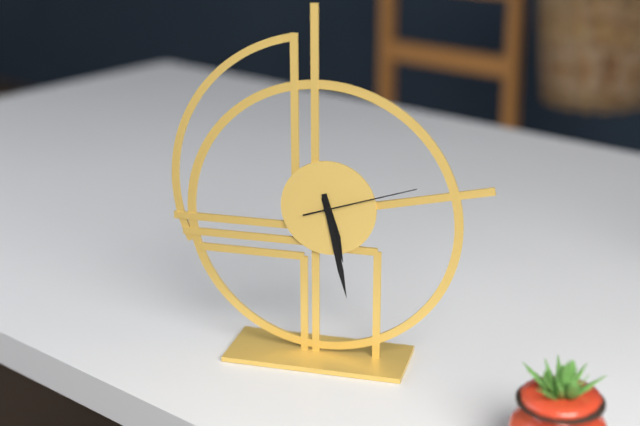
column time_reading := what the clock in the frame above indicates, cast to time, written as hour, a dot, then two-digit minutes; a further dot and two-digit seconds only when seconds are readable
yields 5.28.12
